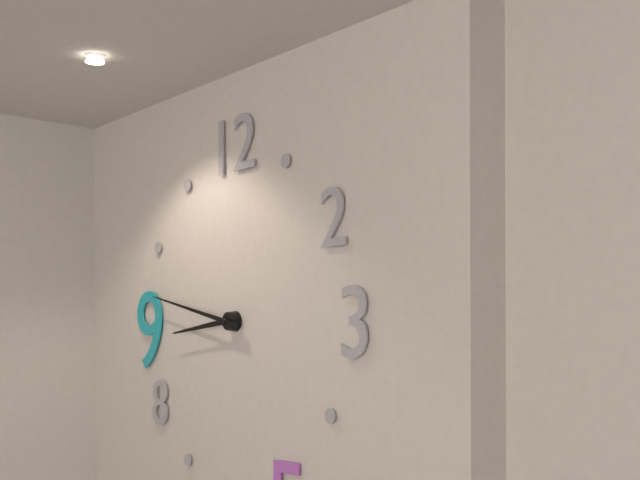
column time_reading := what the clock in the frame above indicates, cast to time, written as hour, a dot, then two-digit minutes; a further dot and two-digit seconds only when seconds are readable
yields 8.47
